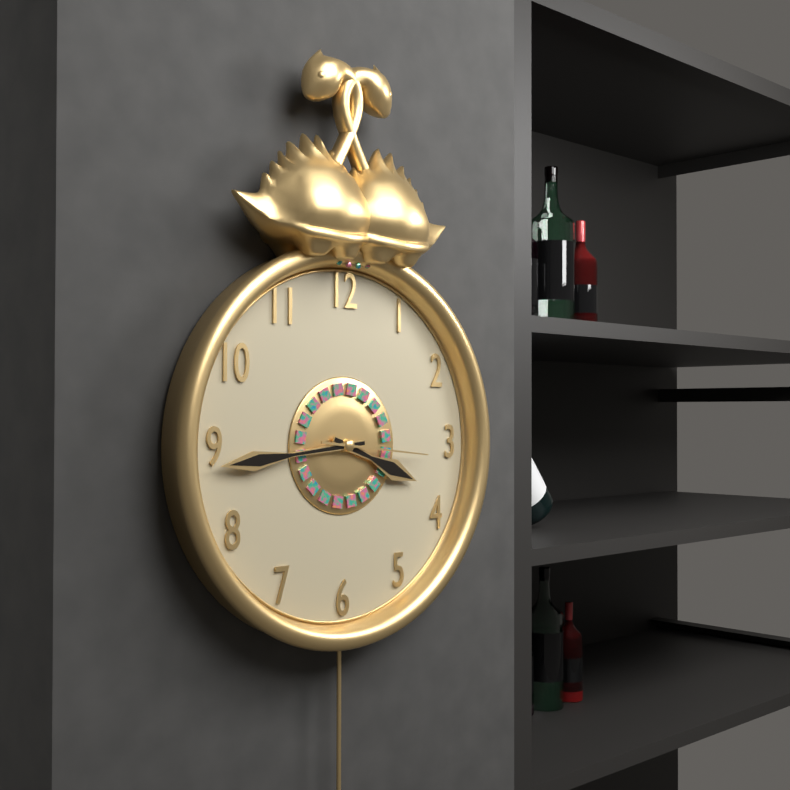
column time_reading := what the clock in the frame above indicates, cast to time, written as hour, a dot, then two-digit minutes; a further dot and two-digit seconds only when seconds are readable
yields 3.44.16
